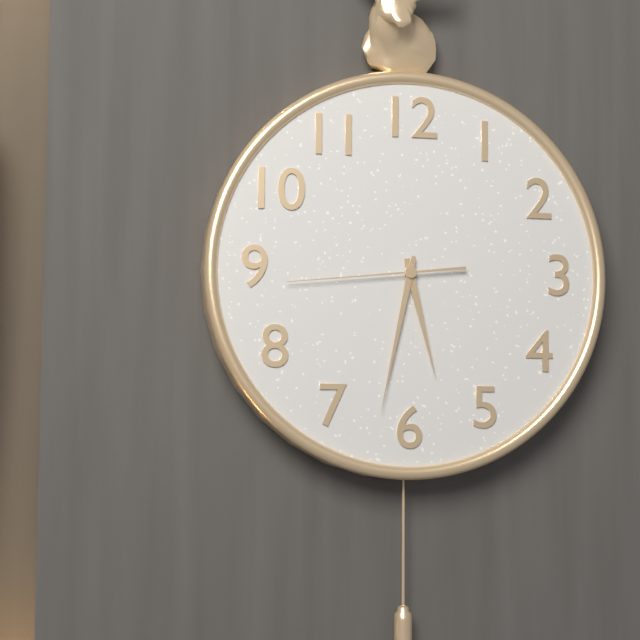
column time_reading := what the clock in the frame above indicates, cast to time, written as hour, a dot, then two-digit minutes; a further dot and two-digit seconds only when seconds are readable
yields 5.32.44
